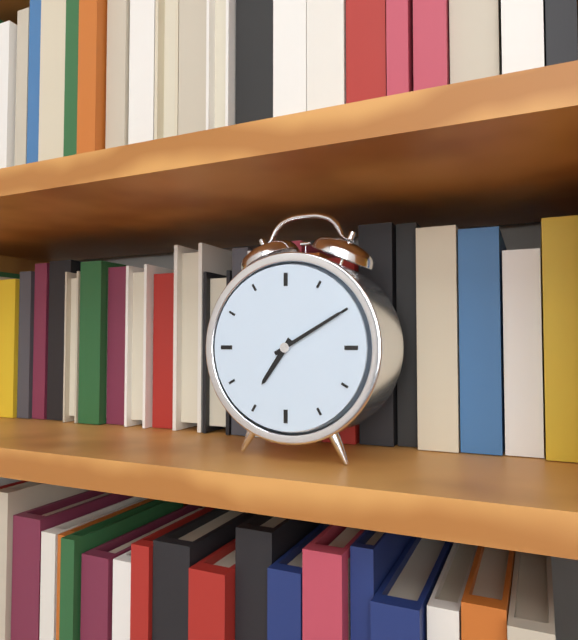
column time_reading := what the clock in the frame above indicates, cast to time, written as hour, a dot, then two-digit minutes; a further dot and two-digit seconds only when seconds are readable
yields 7.10
